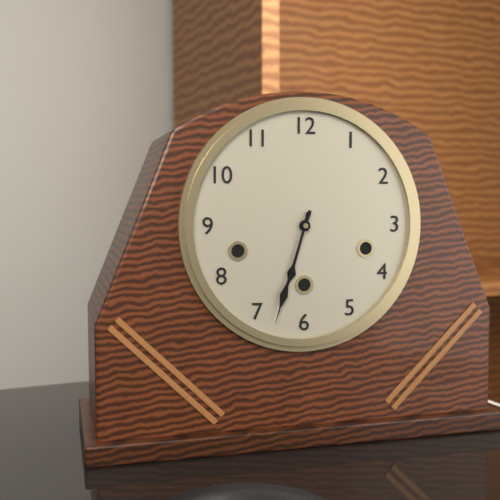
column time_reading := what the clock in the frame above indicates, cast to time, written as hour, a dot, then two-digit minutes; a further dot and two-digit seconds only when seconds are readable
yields 6.33
